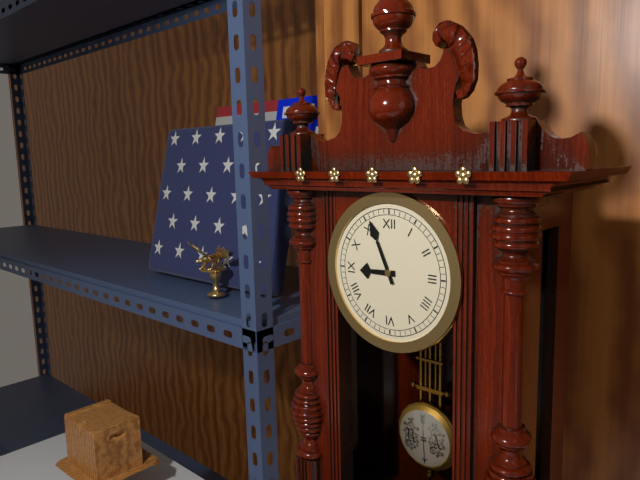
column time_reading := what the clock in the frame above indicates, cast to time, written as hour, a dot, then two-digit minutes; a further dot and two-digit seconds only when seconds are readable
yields 8.56
